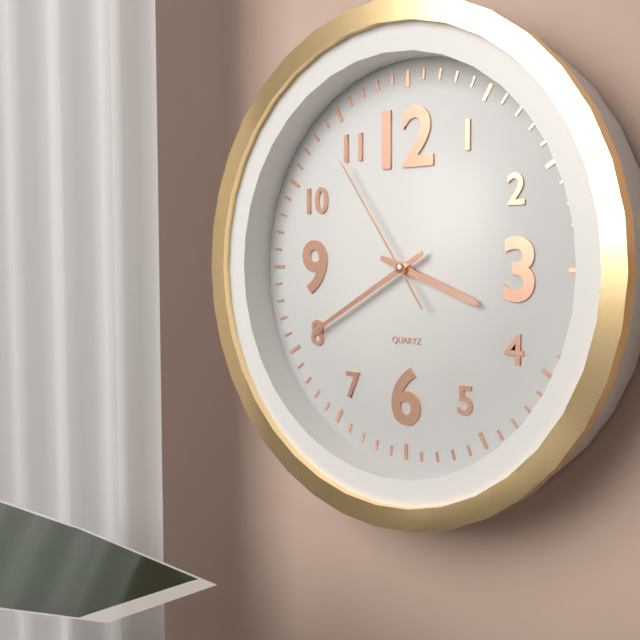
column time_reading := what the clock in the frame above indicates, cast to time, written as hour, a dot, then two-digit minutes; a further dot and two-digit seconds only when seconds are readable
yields 3.40.54
